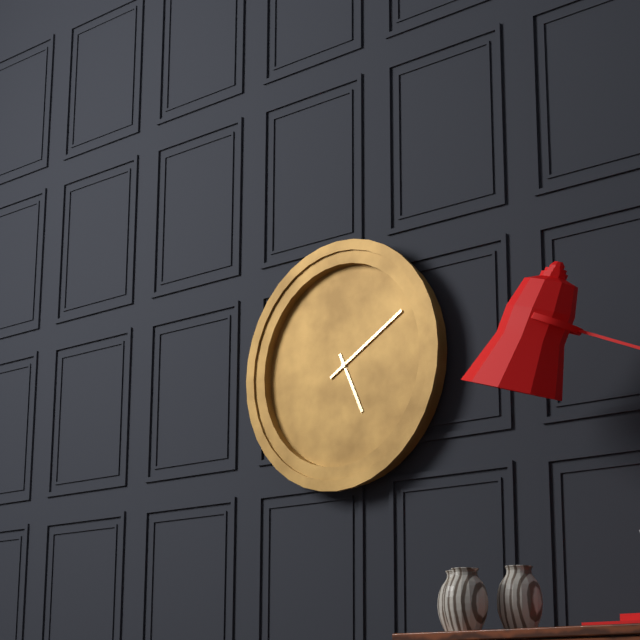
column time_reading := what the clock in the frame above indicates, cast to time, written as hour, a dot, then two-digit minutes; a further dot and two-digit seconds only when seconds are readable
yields 5.10
